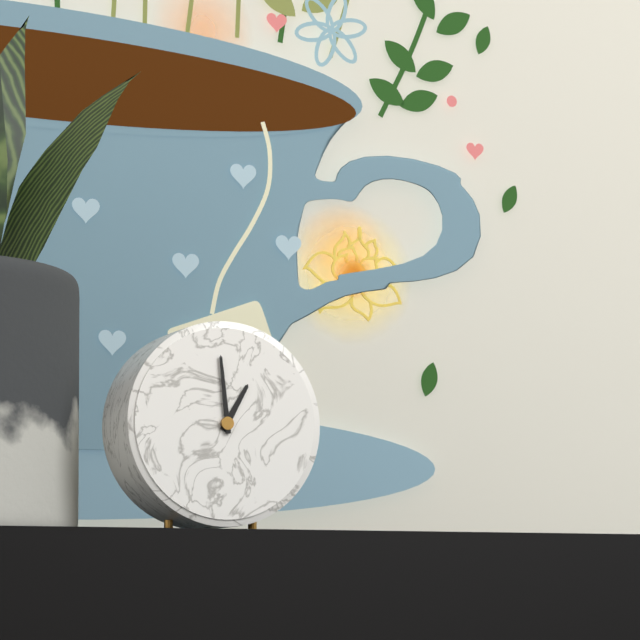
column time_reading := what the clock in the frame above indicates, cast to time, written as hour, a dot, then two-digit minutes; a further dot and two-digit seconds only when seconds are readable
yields 12.59
